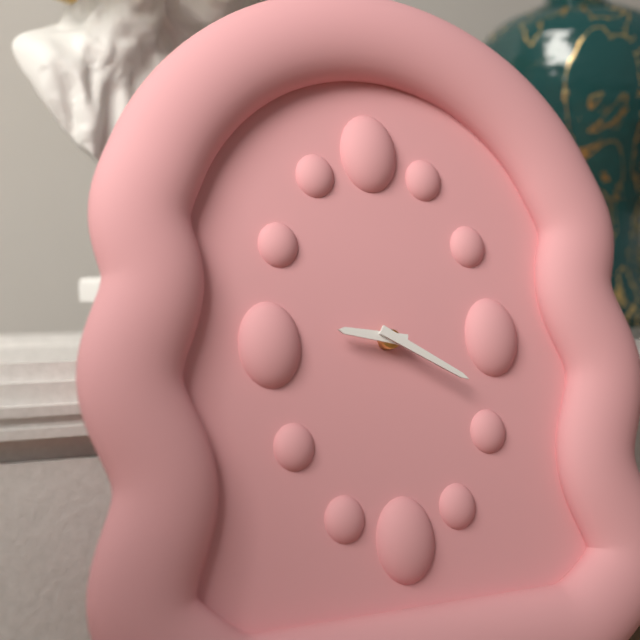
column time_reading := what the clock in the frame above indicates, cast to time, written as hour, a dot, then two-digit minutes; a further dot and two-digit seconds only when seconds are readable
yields 9.20
